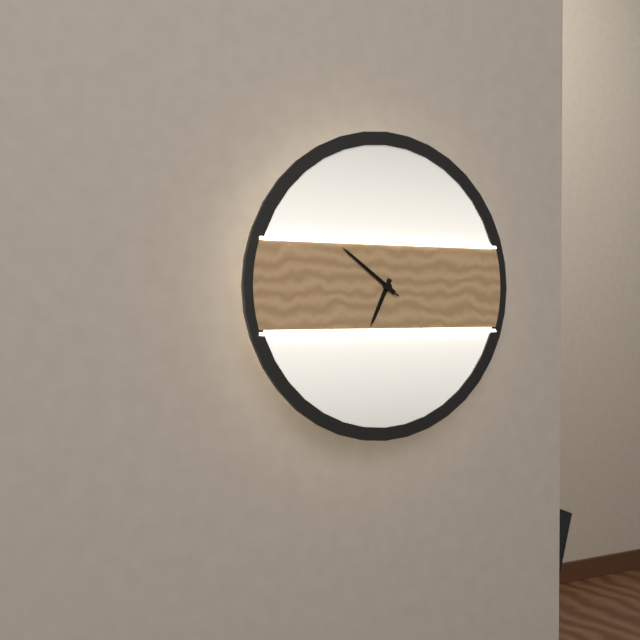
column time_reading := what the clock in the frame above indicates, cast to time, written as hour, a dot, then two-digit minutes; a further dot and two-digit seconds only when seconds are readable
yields 6.51.51
